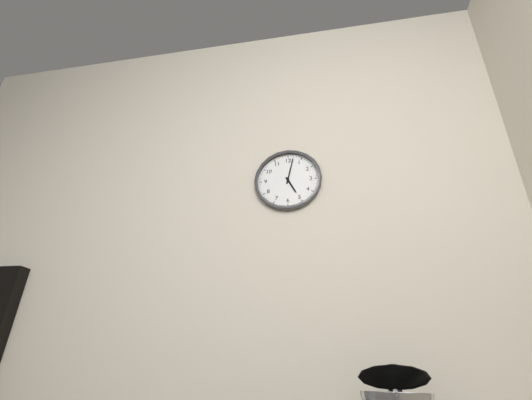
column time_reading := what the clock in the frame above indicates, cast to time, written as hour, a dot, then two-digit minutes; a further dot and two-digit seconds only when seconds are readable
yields 5.02
